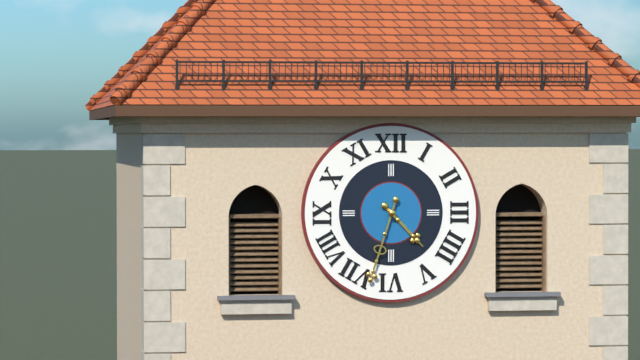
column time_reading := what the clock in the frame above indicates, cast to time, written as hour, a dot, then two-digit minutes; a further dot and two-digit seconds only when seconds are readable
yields 4.33
